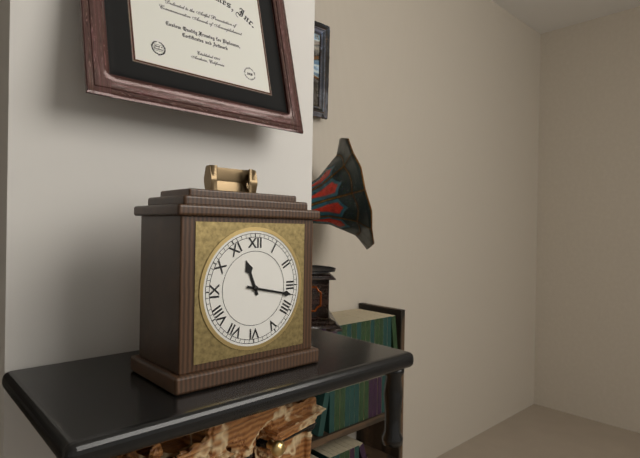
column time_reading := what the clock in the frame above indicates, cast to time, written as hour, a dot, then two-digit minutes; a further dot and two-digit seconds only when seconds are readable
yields 11.17
